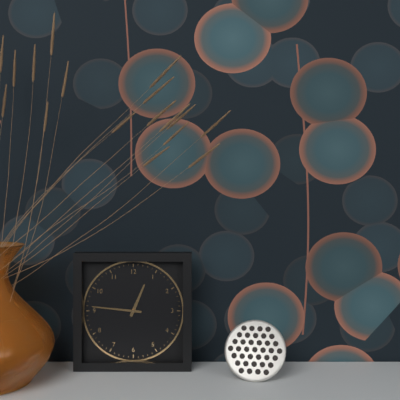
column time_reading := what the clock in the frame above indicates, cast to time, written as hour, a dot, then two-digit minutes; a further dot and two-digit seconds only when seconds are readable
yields 12.46
